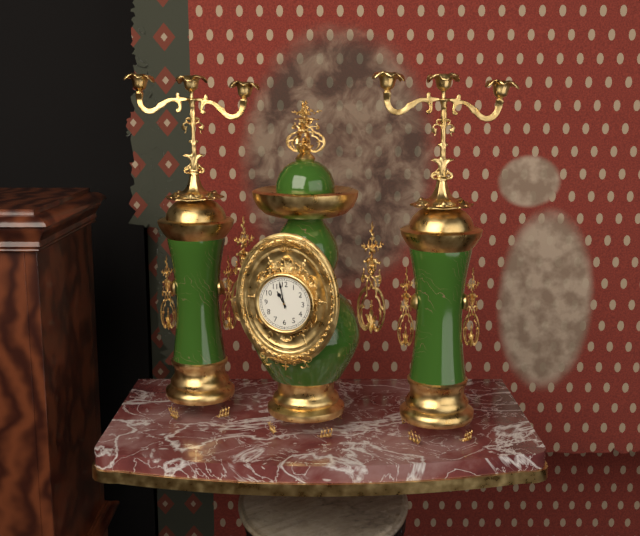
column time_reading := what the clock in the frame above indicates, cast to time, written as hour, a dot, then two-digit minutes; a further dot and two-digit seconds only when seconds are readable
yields 10.58
